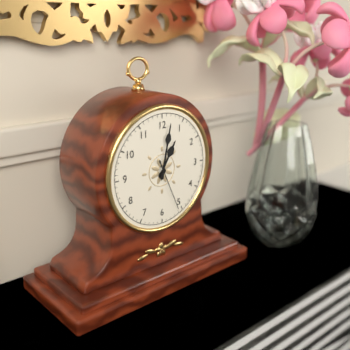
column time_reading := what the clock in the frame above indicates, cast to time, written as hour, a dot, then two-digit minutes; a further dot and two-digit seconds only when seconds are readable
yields 1.02.26
